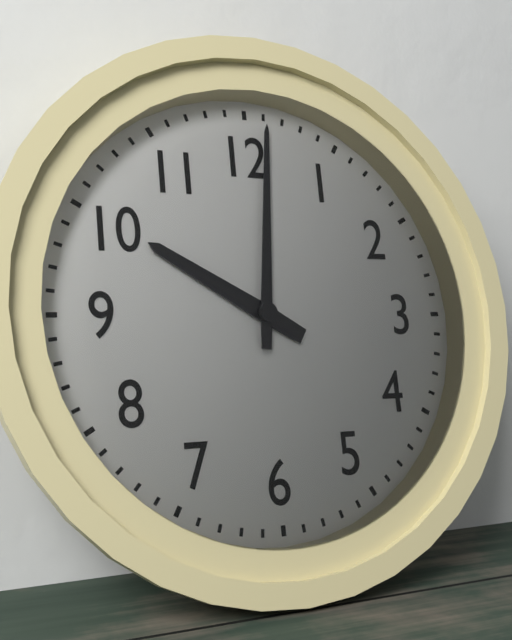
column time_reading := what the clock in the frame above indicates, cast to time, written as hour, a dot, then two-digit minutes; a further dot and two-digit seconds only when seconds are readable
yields 10.01
